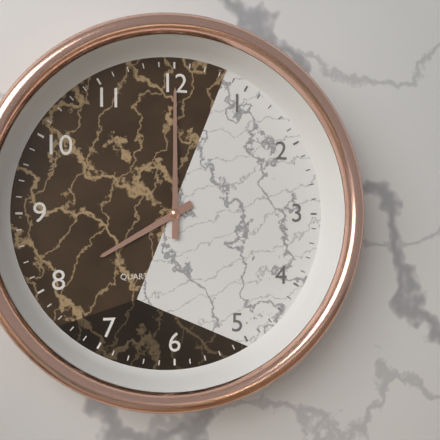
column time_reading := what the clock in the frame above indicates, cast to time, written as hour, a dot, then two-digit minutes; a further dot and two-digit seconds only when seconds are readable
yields 8.00
